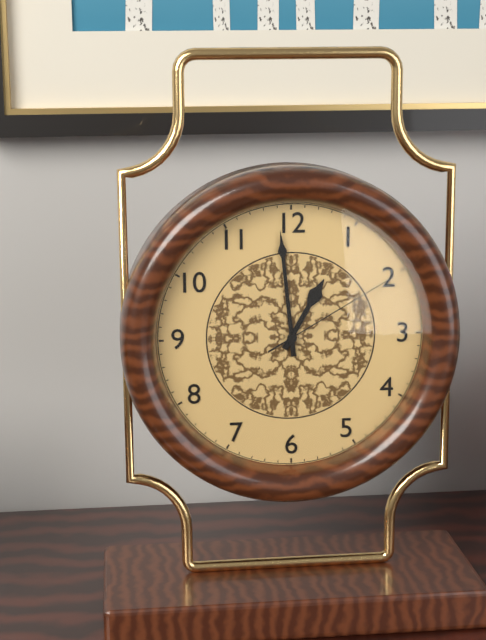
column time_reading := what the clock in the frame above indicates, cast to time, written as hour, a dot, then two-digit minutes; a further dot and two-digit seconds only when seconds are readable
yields 12.59.10
